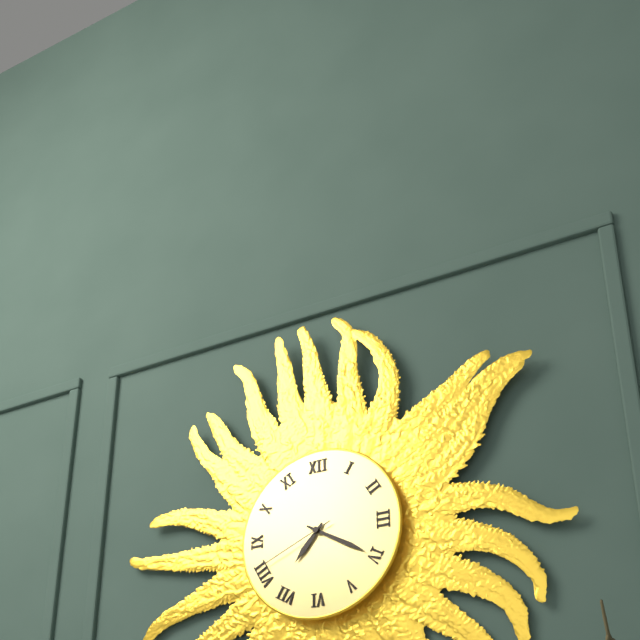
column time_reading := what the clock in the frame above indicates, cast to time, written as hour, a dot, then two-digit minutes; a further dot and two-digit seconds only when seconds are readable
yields 7.20.41
